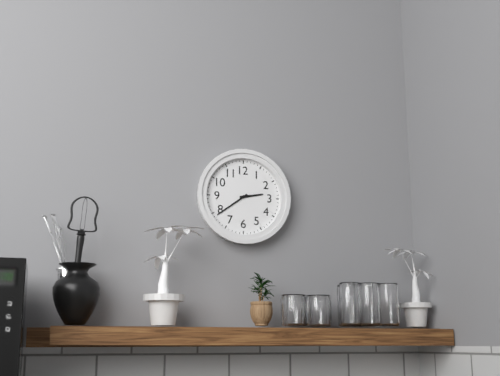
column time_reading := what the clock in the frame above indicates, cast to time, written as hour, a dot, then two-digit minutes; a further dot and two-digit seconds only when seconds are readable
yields 2.39
